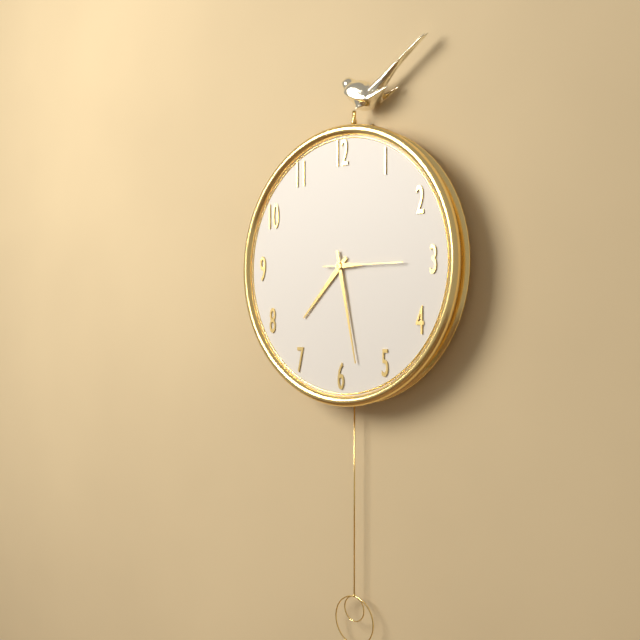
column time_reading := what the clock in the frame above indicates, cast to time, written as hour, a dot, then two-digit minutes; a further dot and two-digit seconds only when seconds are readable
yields 7.28.15
